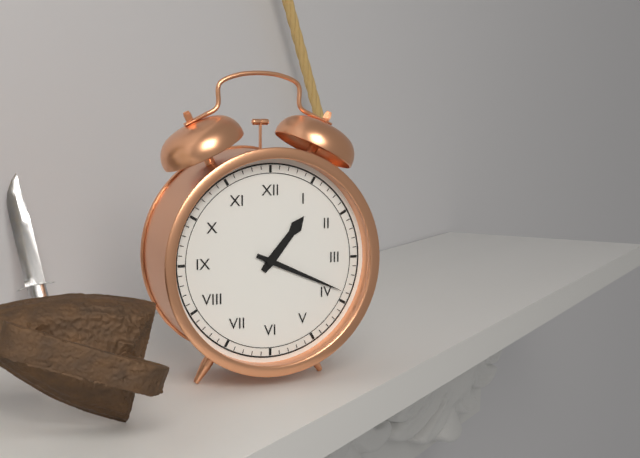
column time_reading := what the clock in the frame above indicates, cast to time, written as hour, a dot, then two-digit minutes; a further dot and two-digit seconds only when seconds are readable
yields 1.19
